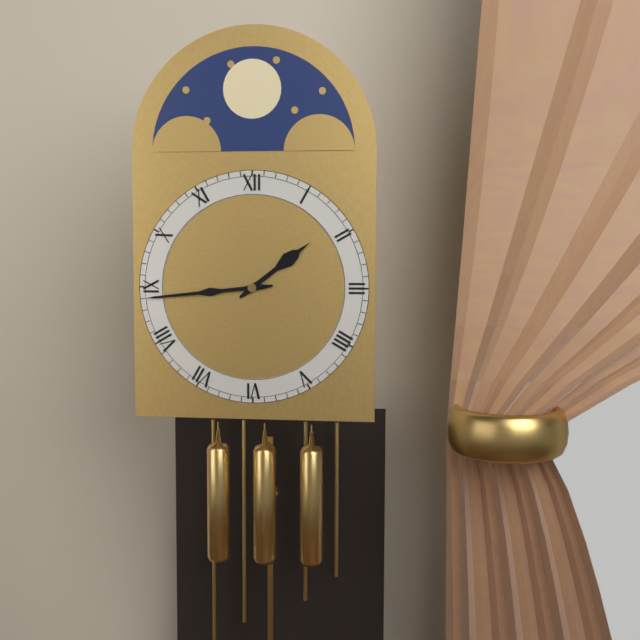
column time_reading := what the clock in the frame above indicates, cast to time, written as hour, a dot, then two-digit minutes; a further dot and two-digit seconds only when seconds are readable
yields 1.44
